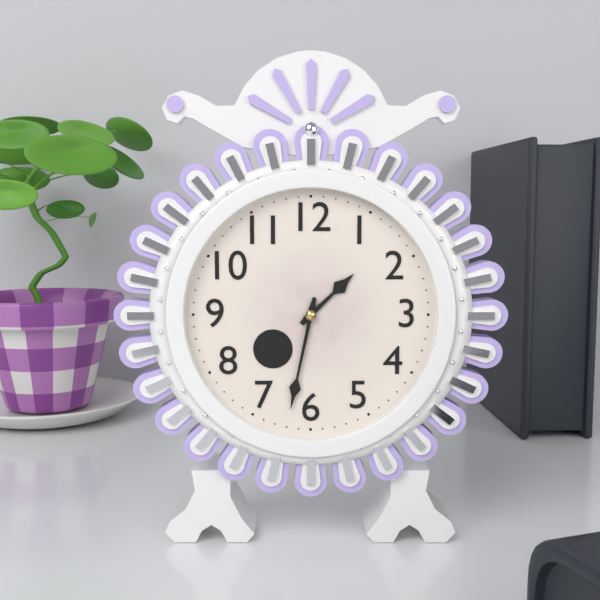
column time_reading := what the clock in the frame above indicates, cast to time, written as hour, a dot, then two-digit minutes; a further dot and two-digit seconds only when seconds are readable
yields 1.32
